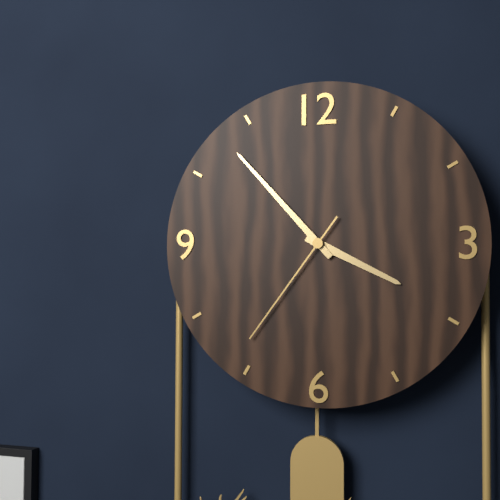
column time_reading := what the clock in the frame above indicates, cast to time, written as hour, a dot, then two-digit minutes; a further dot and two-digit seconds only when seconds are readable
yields 3.53.36
